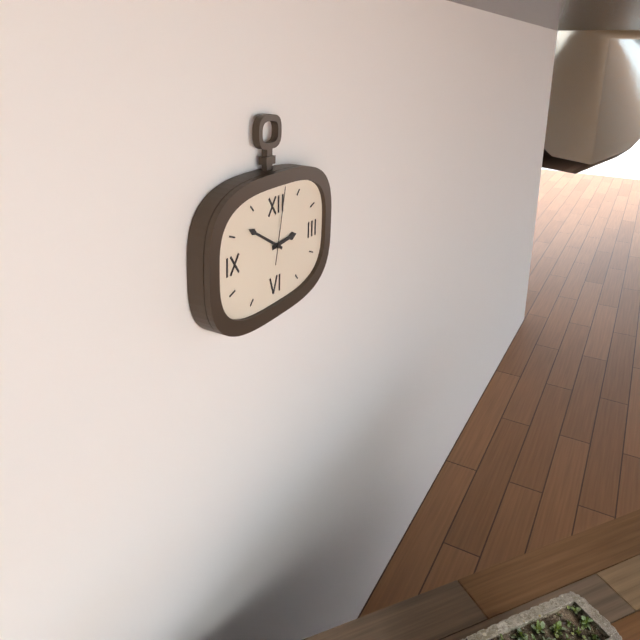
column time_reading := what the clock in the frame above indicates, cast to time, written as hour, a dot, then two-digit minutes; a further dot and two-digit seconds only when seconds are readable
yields 2.50.02
